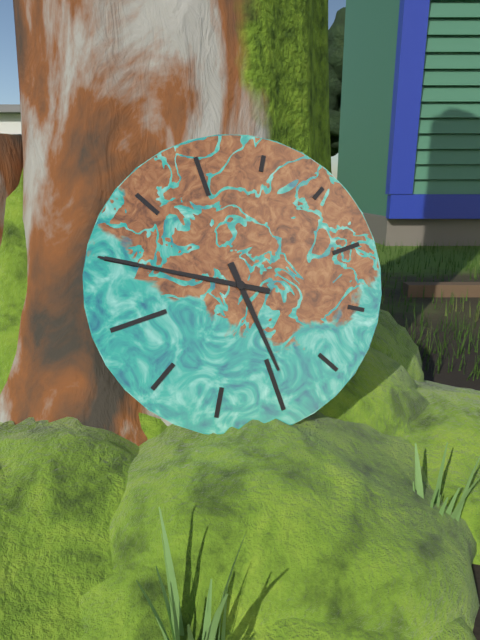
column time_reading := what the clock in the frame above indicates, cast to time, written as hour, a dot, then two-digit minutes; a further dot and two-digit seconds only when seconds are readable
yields 5.50
